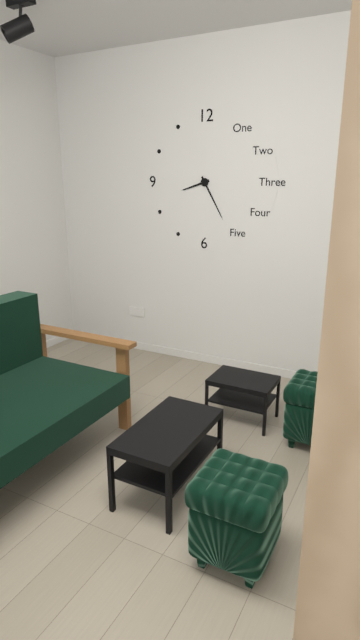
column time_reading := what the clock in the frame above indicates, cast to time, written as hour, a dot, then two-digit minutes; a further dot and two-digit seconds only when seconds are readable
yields 8.25
